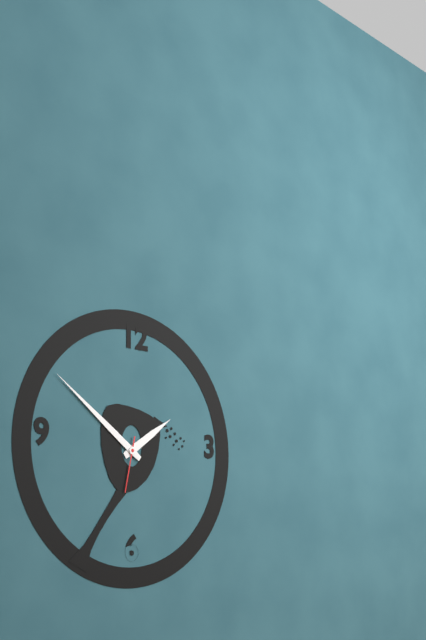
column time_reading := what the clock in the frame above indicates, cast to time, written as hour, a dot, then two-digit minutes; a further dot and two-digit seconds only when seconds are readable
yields 1.51.32
